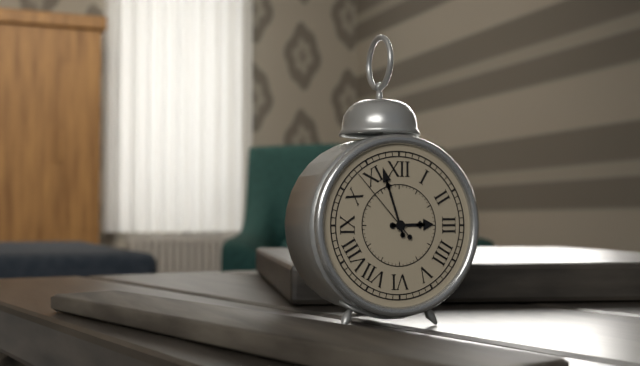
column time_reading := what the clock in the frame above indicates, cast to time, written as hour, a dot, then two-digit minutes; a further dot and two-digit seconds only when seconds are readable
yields 2.57.53
